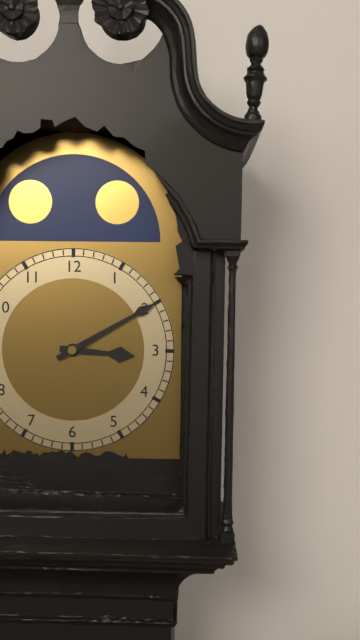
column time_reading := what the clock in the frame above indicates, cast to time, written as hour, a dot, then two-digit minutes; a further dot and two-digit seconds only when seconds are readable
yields 3.10
